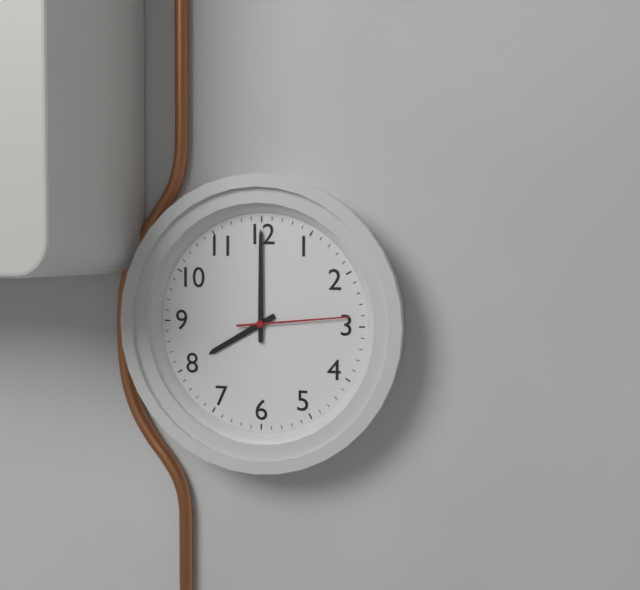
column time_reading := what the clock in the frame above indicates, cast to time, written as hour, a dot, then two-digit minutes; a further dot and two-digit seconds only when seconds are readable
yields 8.00.14
